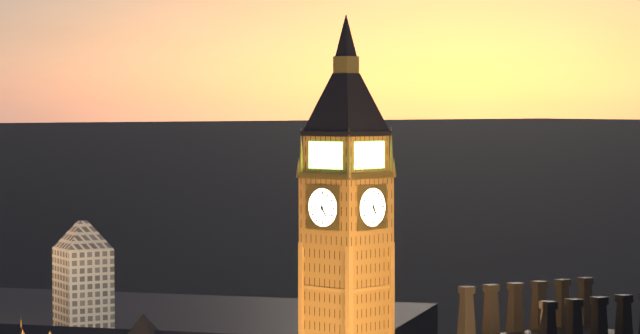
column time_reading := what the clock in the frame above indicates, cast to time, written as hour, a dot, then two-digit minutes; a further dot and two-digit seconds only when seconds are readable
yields 5.01
